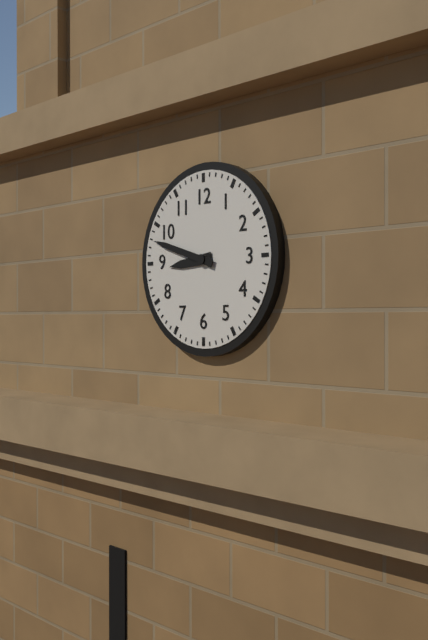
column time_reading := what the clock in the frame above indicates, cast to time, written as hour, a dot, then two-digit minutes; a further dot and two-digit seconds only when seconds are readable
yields 8.48
